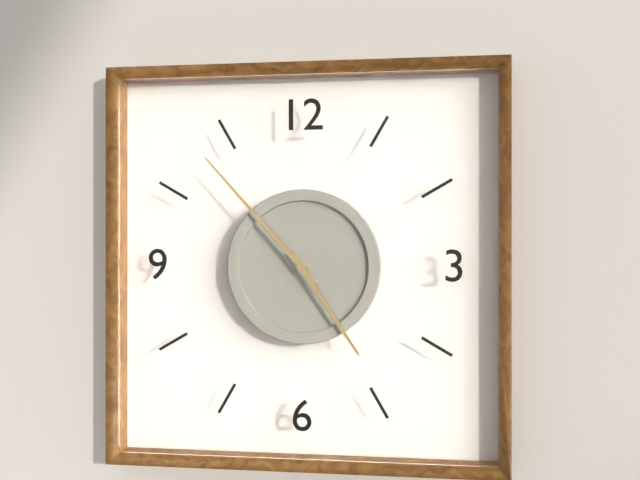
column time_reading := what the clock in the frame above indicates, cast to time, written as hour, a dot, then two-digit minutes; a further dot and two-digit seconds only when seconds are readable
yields 4.53
